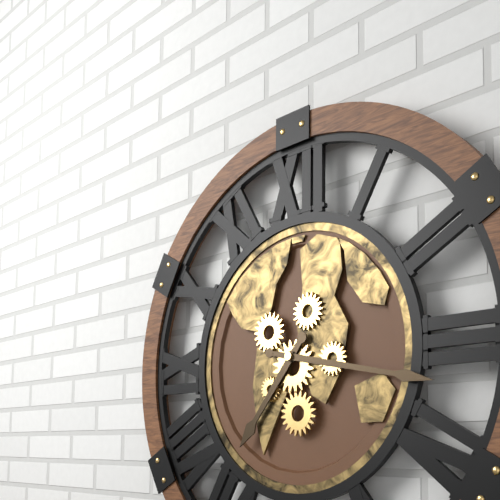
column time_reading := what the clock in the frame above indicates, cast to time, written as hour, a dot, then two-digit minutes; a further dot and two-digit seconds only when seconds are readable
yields 7.17
